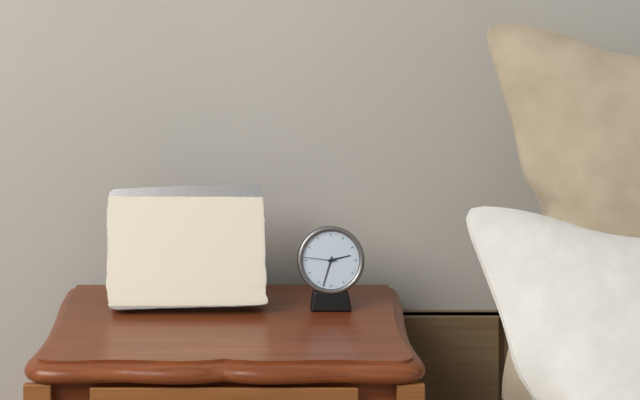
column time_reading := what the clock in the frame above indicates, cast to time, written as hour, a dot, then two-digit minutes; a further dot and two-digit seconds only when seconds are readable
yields 2.33
